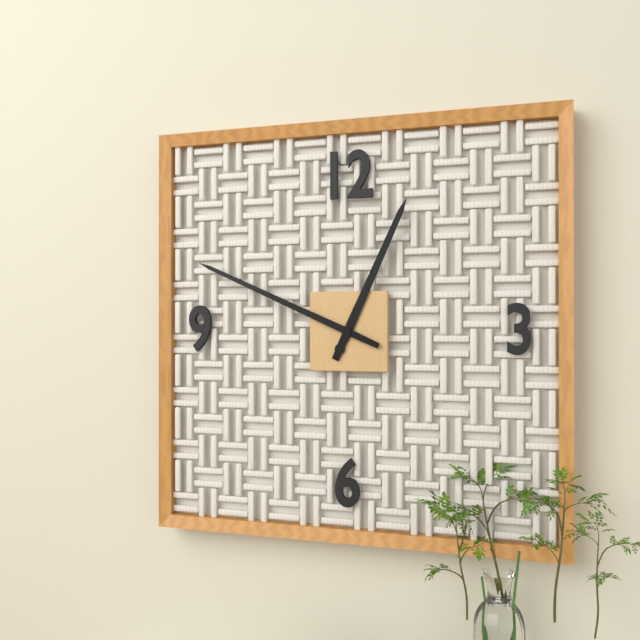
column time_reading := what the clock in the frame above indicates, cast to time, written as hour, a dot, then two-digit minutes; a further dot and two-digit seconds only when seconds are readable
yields 12.49
